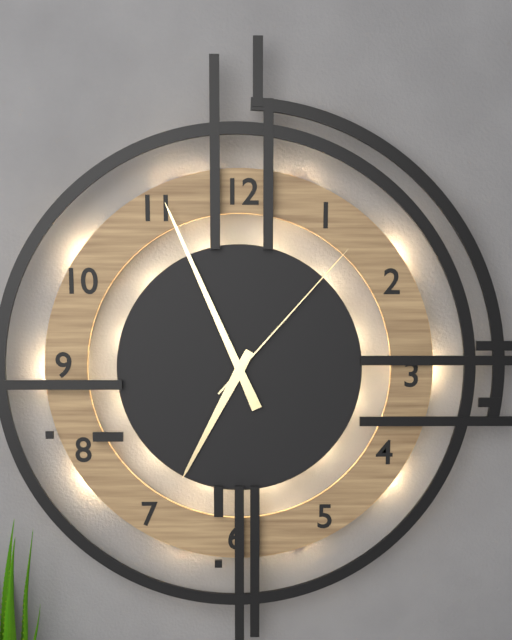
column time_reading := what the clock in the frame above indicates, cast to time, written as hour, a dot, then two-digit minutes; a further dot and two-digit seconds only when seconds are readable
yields 6.56.07
